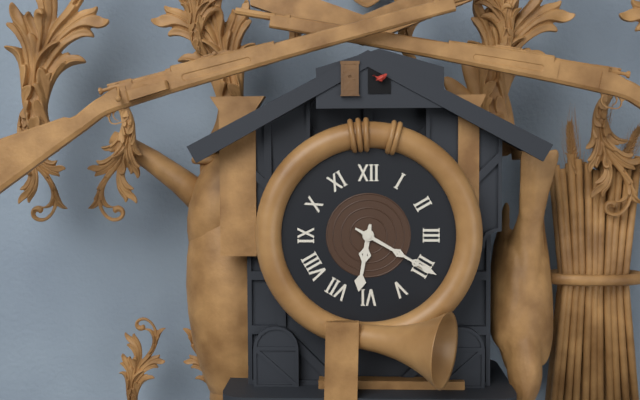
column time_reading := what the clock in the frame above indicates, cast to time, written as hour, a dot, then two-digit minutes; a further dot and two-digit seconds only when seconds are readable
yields 6.20
